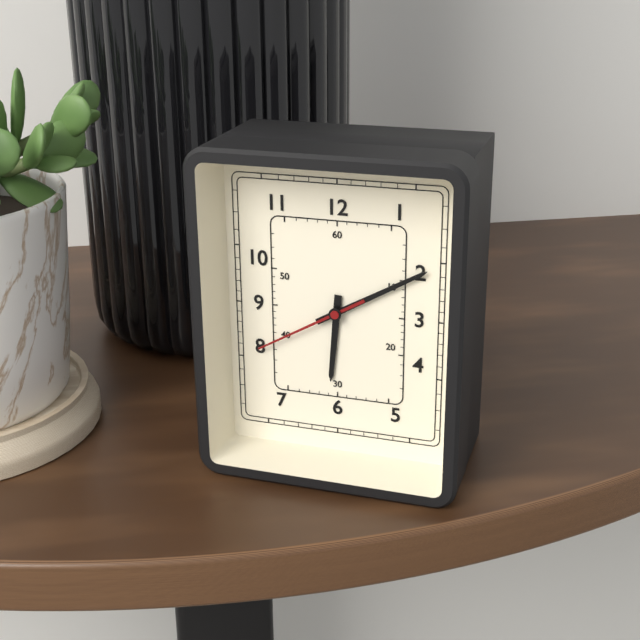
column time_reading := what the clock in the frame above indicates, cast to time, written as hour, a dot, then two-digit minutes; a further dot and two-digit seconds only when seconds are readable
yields 6.10.40
